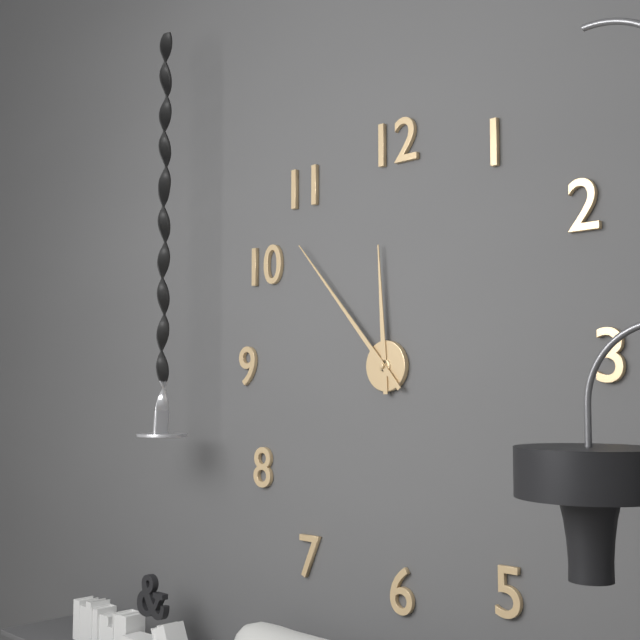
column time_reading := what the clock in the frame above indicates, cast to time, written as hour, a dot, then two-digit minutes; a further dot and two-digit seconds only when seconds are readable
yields 11.53
